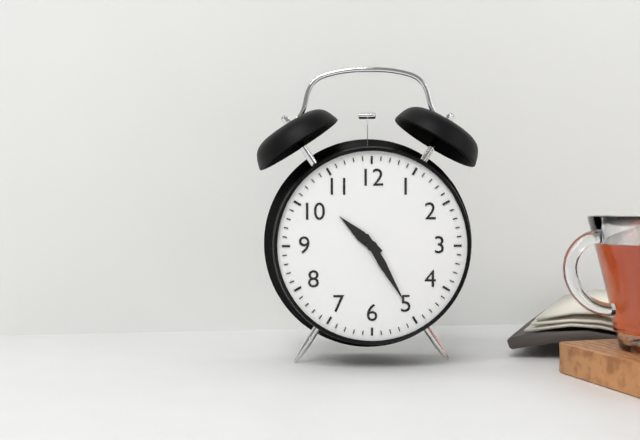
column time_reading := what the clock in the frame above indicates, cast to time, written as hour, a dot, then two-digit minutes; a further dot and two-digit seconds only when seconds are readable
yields 10.25
